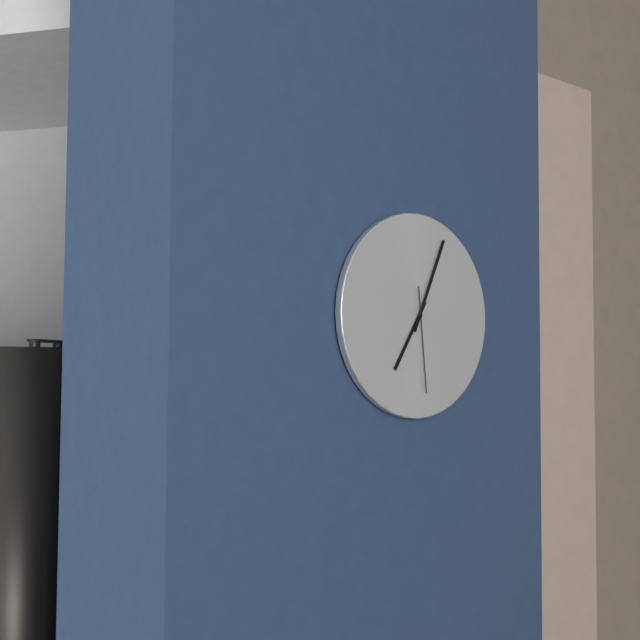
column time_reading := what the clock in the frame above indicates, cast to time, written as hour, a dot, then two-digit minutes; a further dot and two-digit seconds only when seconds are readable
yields 7.04.29
